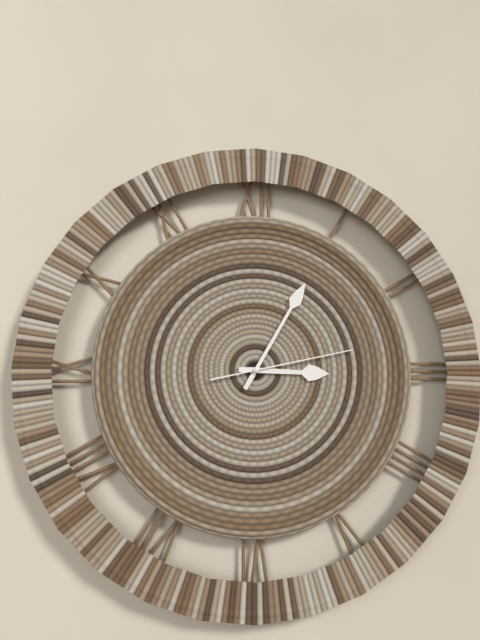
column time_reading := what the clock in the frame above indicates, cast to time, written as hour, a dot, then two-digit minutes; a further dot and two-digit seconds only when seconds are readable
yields 3.05.13
